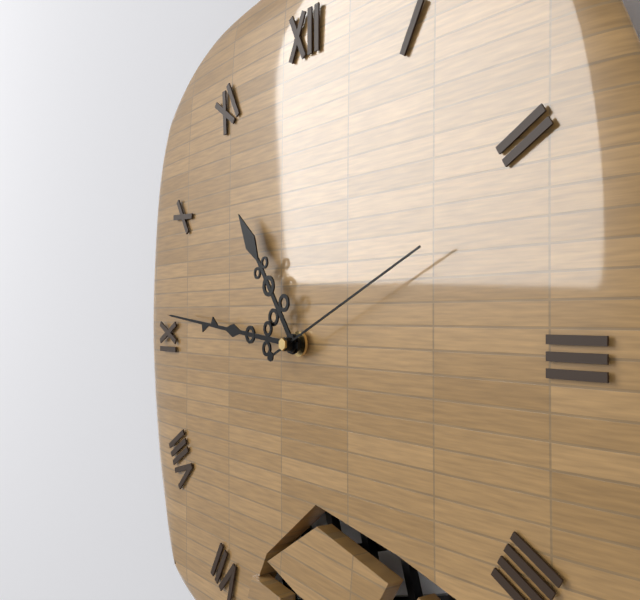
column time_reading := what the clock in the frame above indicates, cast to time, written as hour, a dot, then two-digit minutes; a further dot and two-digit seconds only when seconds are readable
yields 10.46.11
